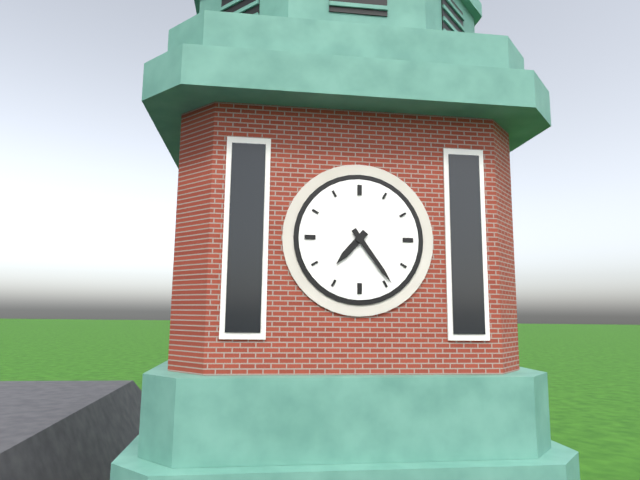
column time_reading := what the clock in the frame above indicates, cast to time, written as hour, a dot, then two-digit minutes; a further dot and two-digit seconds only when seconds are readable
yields 7.24
